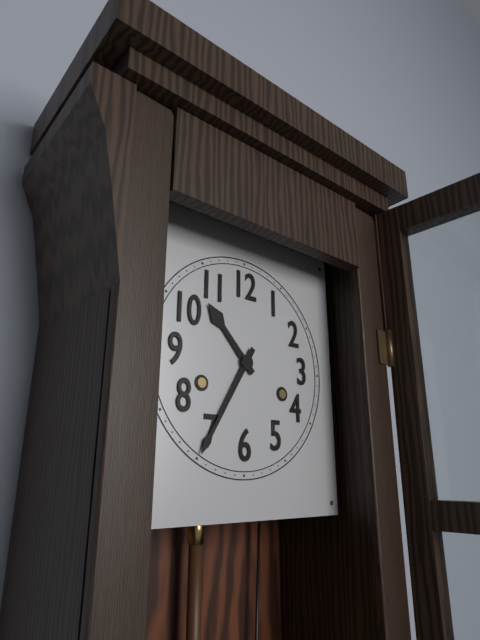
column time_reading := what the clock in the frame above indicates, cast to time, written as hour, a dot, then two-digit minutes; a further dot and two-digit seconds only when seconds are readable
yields 10.35
